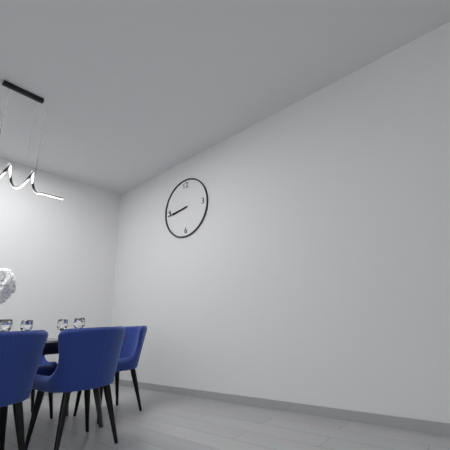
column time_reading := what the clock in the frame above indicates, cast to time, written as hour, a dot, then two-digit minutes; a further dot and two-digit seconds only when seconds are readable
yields 8.44
